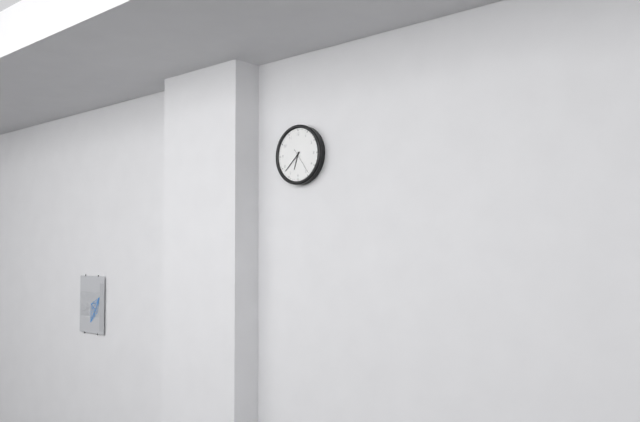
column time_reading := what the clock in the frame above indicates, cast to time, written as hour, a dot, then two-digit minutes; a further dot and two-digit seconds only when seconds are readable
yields 6.38
